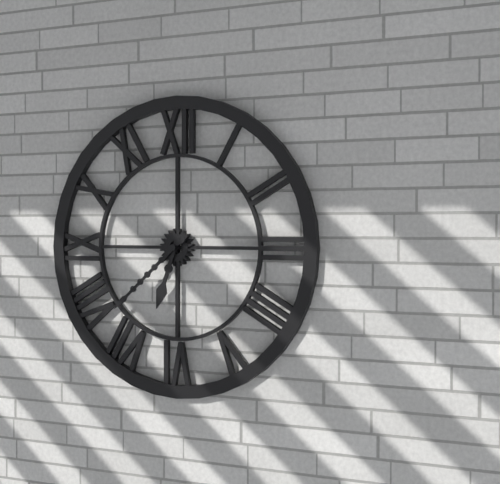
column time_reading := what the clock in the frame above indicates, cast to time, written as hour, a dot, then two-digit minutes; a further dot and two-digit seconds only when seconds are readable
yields 6.38
